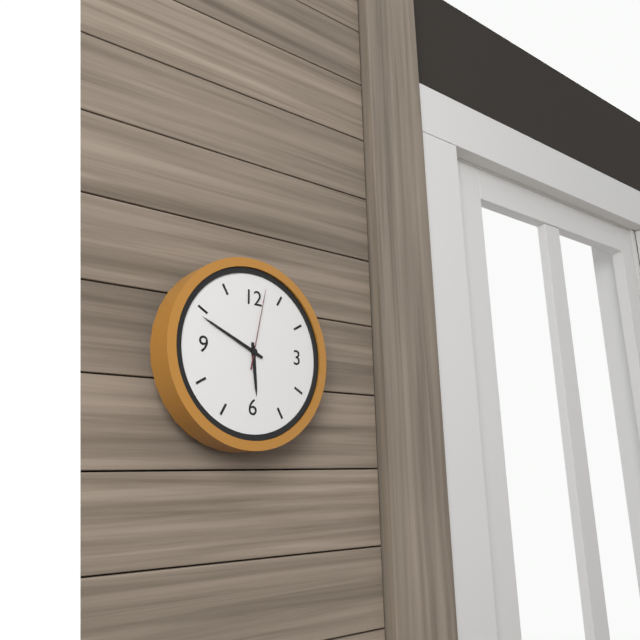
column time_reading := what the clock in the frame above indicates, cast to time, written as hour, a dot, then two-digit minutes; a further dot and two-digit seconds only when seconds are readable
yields 5.49.02
